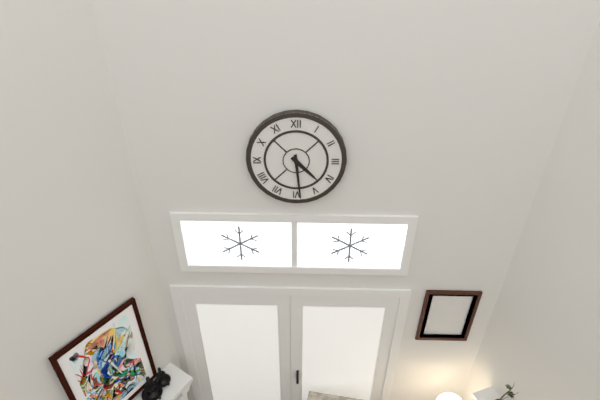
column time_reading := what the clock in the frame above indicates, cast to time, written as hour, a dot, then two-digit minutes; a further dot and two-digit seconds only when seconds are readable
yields 4.29
